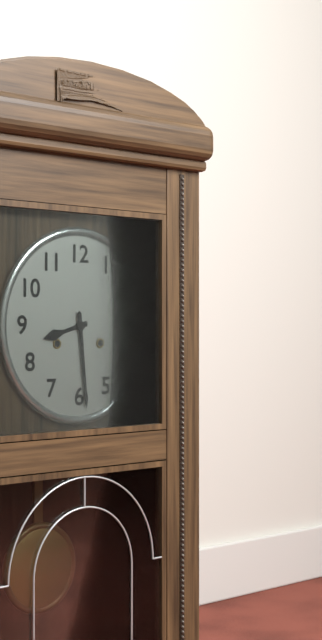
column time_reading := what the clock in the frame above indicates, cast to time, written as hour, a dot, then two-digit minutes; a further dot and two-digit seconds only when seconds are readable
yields 8.29
